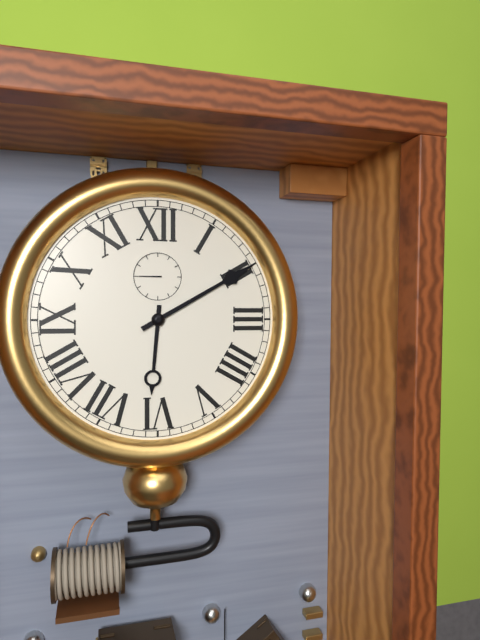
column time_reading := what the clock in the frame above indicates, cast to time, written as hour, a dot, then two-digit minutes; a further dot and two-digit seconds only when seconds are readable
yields 6.10
